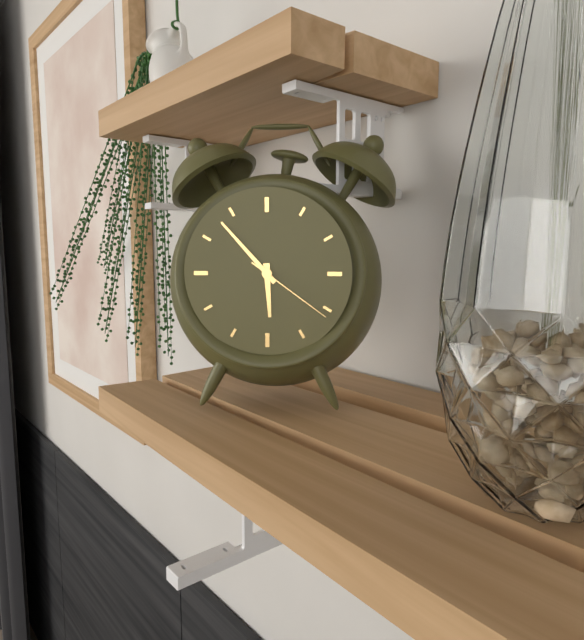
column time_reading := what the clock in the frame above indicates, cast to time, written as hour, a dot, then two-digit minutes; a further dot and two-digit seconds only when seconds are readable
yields 5.53.21
